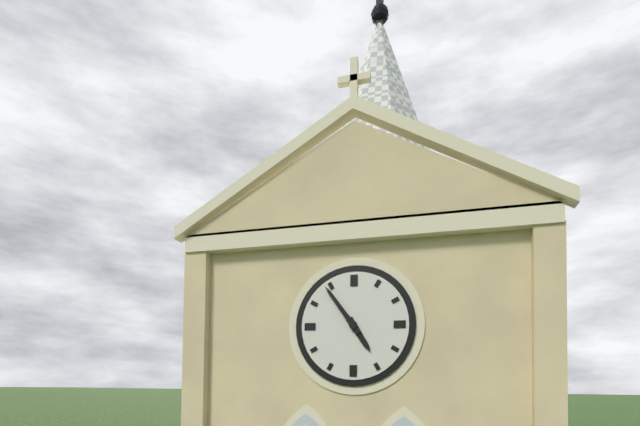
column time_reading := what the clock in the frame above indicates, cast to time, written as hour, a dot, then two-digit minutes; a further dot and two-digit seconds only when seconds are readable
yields 4.54
